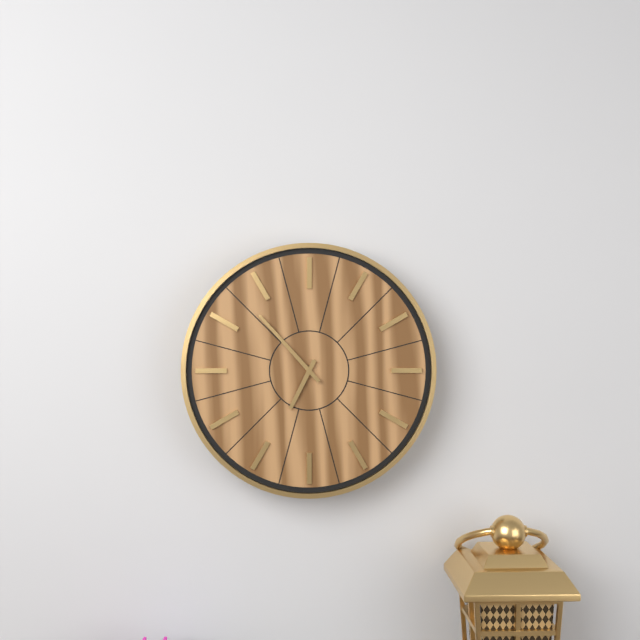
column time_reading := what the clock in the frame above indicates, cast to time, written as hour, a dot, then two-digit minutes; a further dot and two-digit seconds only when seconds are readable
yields 6.53
